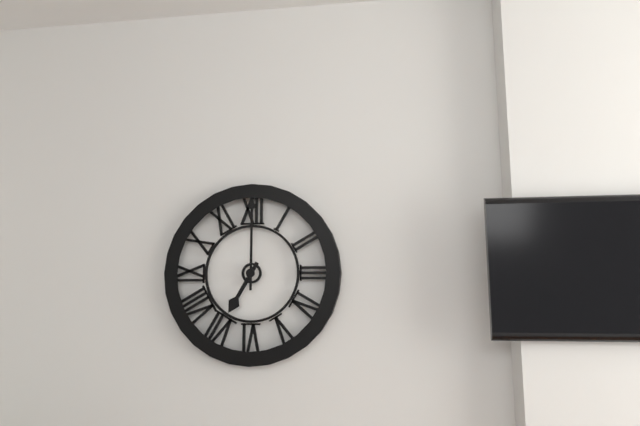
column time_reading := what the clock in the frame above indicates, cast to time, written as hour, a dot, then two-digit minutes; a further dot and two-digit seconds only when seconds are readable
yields 7.00
